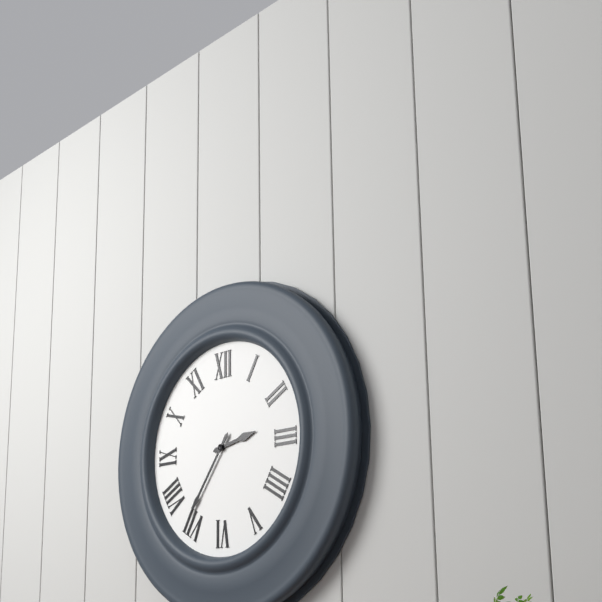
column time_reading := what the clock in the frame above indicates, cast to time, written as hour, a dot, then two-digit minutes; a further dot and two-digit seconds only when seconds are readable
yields 2.36
